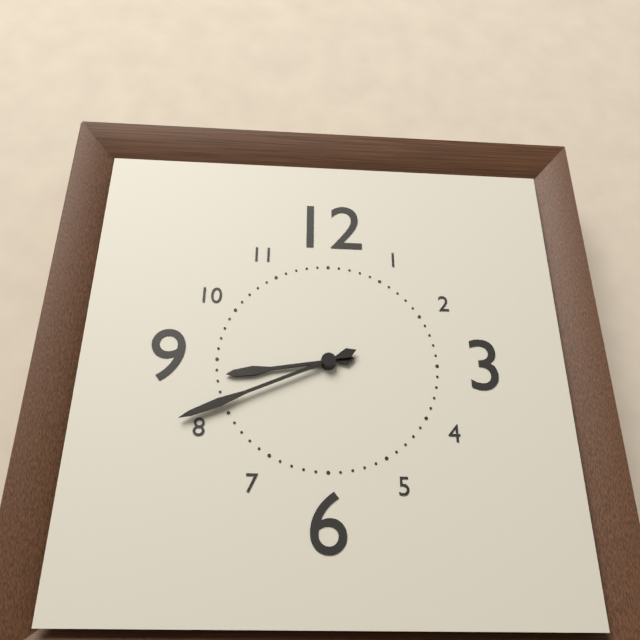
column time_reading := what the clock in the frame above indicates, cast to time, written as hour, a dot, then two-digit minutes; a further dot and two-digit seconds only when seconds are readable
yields 8.41
